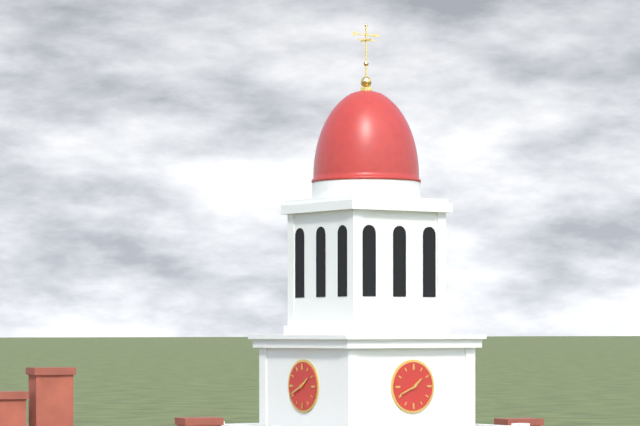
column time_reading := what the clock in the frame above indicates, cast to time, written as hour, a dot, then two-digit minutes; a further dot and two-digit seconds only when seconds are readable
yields 1.41
